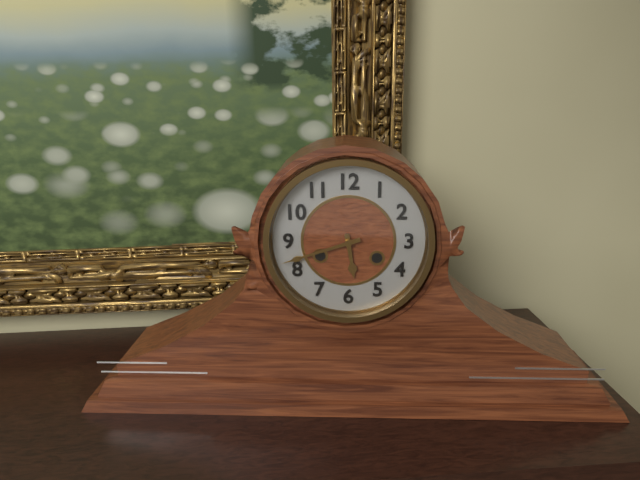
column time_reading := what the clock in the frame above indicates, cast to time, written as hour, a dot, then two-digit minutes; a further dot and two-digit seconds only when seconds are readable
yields 5.42
